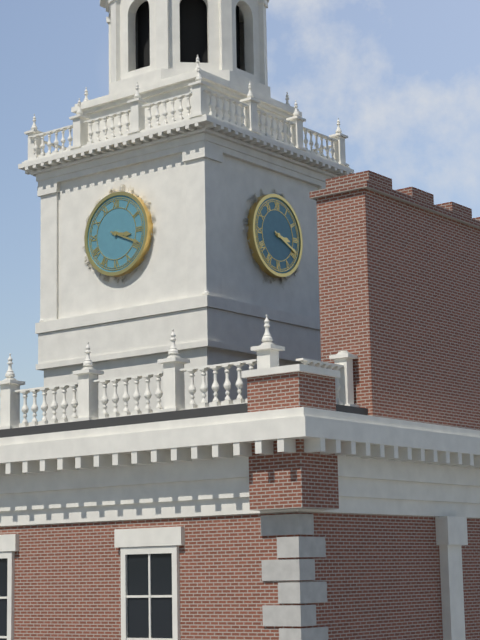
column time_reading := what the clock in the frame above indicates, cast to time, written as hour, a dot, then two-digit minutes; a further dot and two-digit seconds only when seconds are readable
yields 3.19
